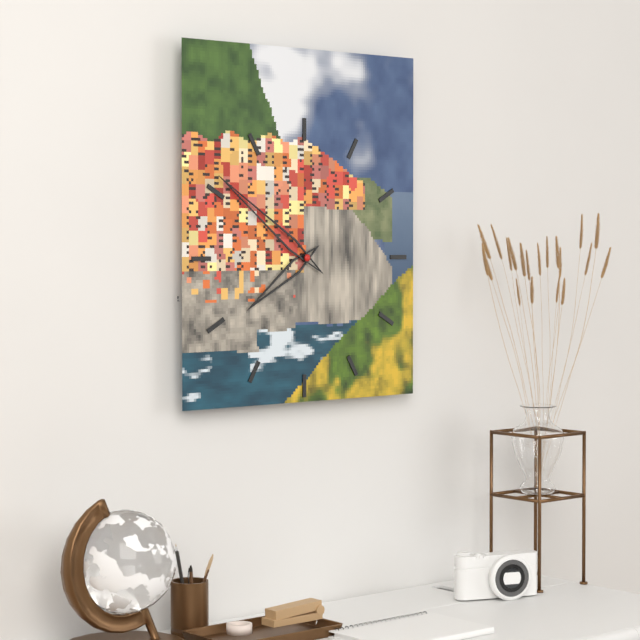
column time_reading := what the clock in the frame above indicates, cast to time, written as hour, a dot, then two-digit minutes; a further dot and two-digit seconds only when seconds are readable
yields 7.51
